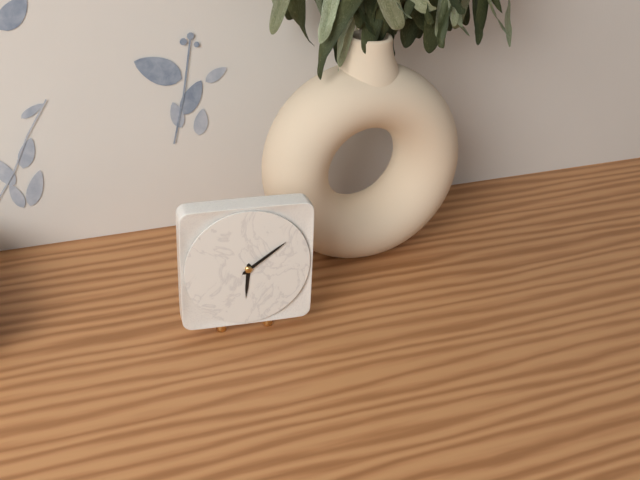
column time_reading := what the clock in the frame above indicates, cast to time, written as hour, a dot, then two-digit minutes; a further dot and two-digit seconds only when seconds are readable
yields 6.09
